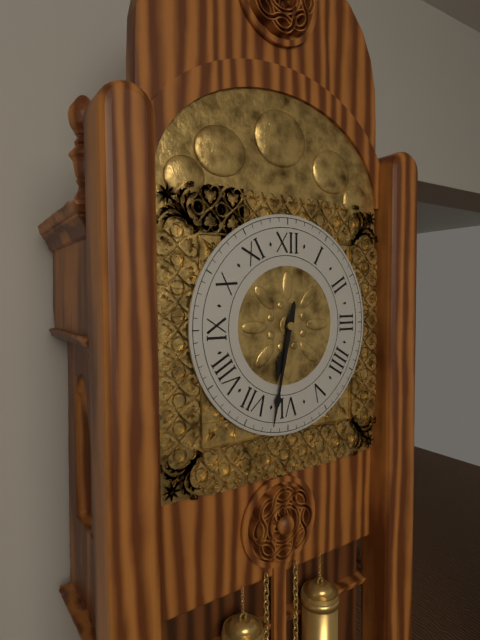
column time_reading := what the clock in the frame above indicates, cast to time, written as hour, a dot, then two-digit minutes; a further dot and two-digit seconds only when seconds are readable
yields 6.32
